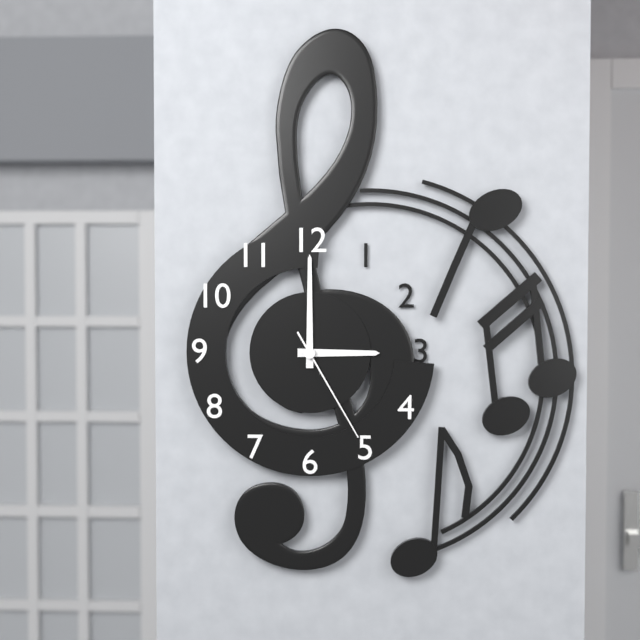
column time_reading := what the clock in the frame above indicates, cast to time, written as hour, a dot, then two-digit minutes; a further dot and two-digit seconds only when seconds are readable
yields 3.00.25
